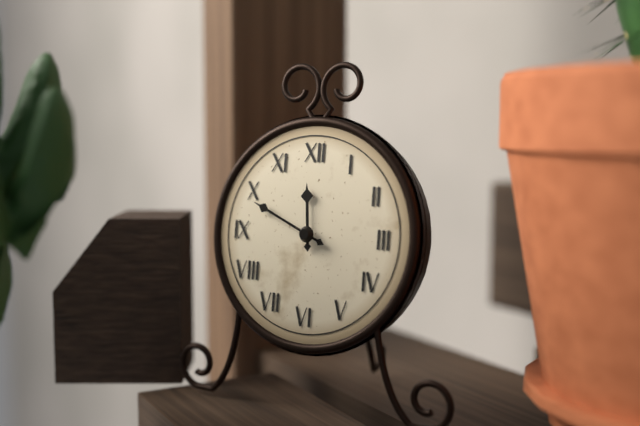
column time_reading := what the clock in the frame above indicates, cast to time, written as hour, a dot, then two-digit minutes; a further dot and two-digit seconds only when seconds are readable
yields 11.49
